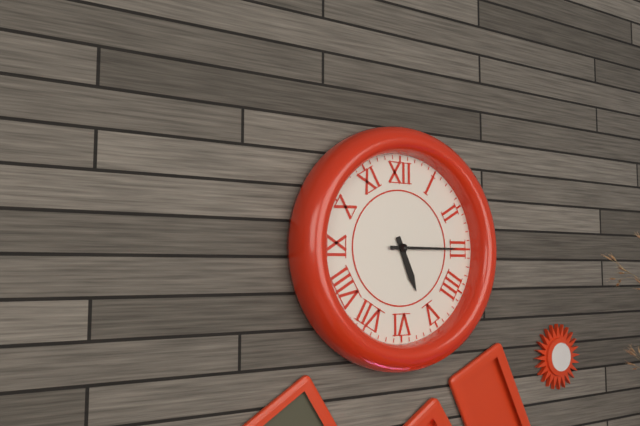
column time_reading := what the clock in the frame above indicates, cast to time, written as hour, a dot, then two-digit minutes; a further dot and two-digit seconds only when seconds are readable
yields 5.15
